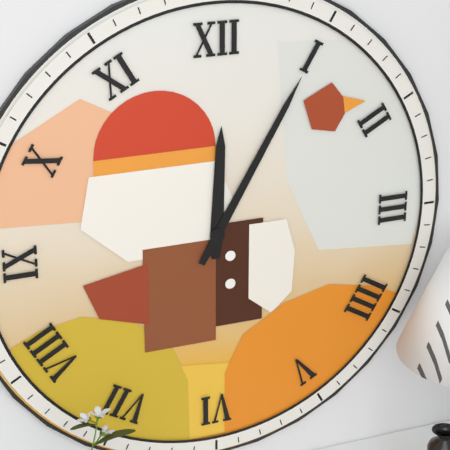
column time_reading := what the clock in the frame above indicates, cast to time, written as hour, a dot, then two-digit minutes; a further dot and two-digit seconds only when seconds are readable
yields 12.05
